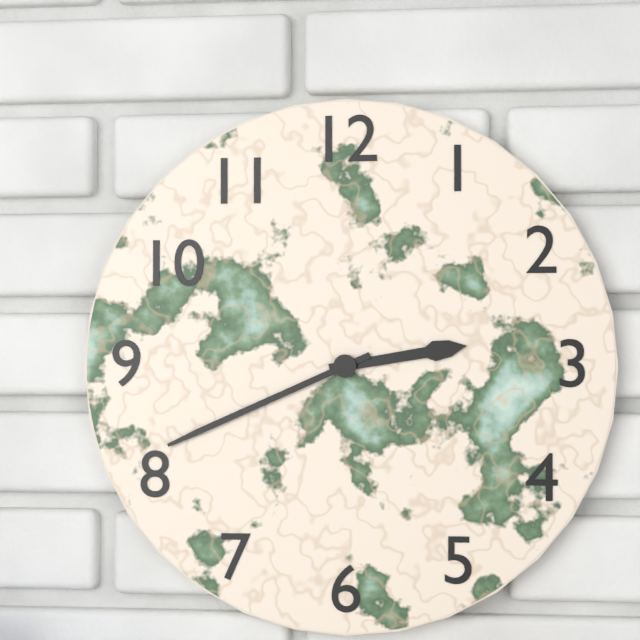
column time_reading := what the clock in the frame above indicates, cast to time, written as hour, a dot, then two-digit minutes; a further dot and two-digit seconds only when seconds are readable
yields 2.41
